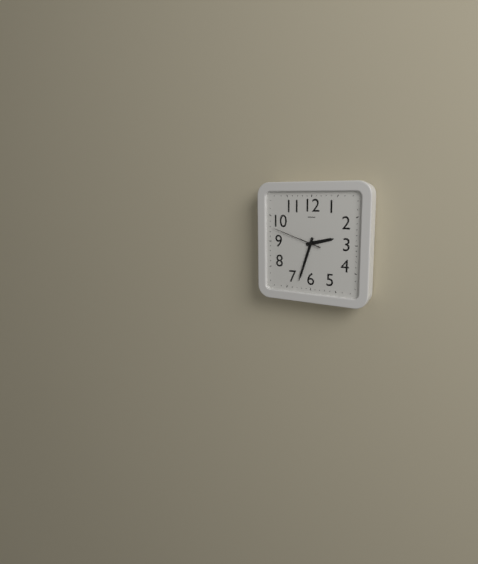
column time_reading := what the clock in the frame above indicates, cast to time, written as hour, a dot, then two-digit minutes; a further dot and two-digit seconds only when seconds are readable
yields 2.33.48
